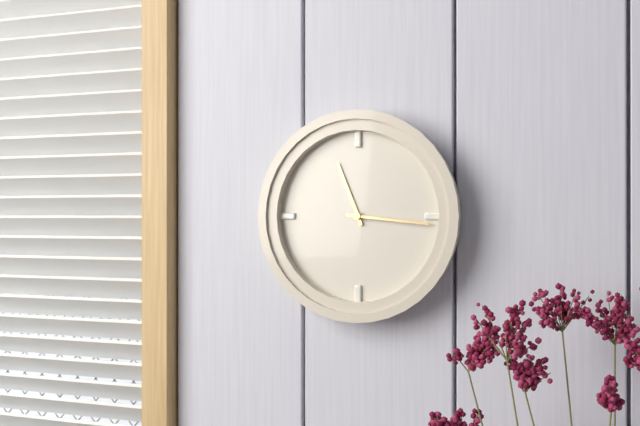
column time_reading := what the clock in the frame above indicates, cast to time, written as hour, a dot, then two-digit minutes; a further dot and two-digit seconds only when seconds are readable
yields 11.16
